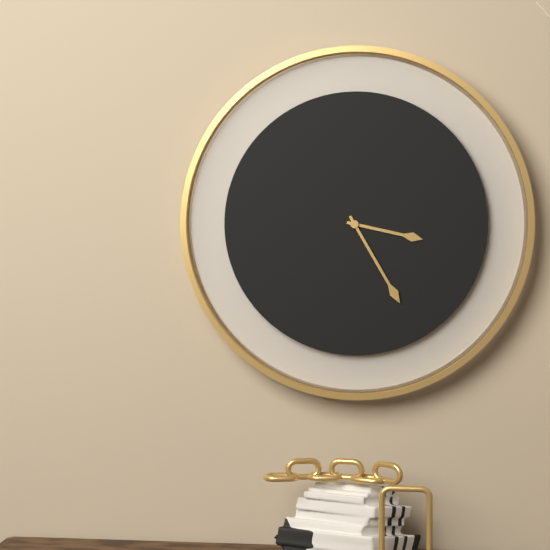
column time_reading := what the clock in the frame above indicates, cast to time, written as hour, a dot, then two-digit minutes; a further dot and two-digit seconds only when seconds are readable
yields 3.25
